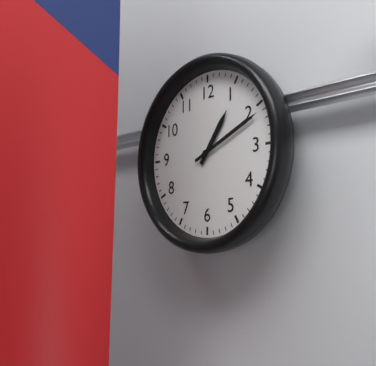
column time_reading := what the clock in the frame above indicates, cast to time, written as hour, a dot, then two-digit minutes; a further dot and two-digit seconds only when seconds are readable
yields 1.11
